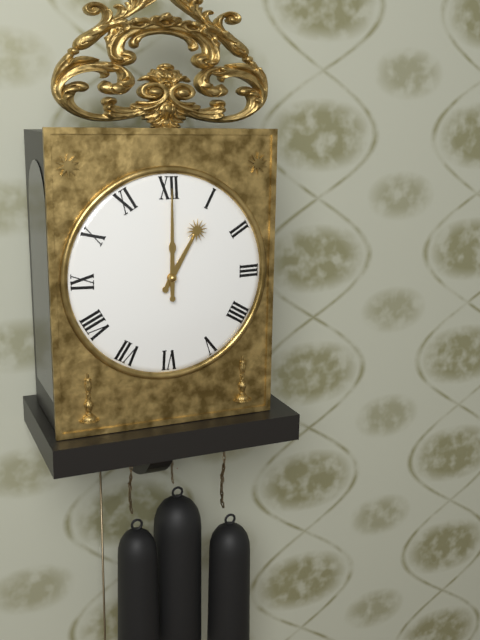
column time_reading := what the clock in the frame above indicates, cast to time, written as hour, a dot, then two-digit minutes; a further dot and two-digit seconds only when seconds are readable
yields 1.00
